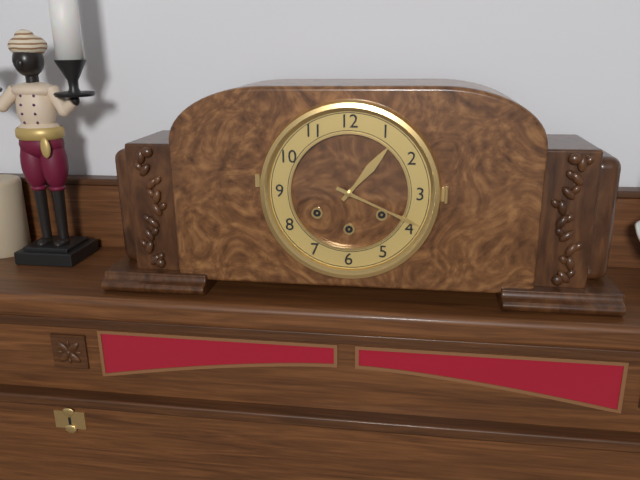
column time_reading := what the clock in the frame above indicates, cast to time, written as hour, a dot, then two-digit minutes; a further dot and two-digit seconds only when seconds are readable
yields 1.19
